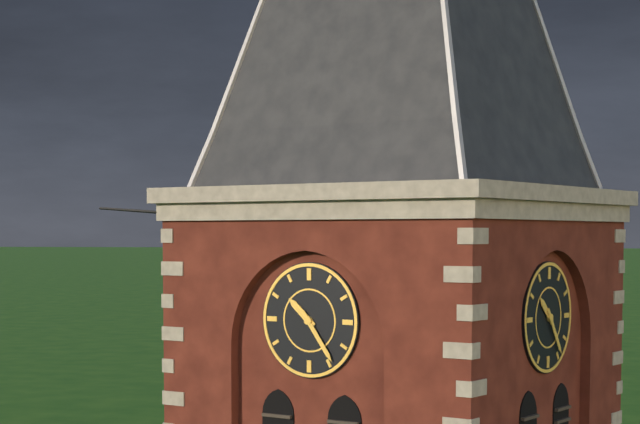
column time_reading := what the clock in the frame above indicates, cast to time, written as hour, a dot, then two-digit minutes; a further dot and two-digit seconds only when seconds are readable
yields 10.24
